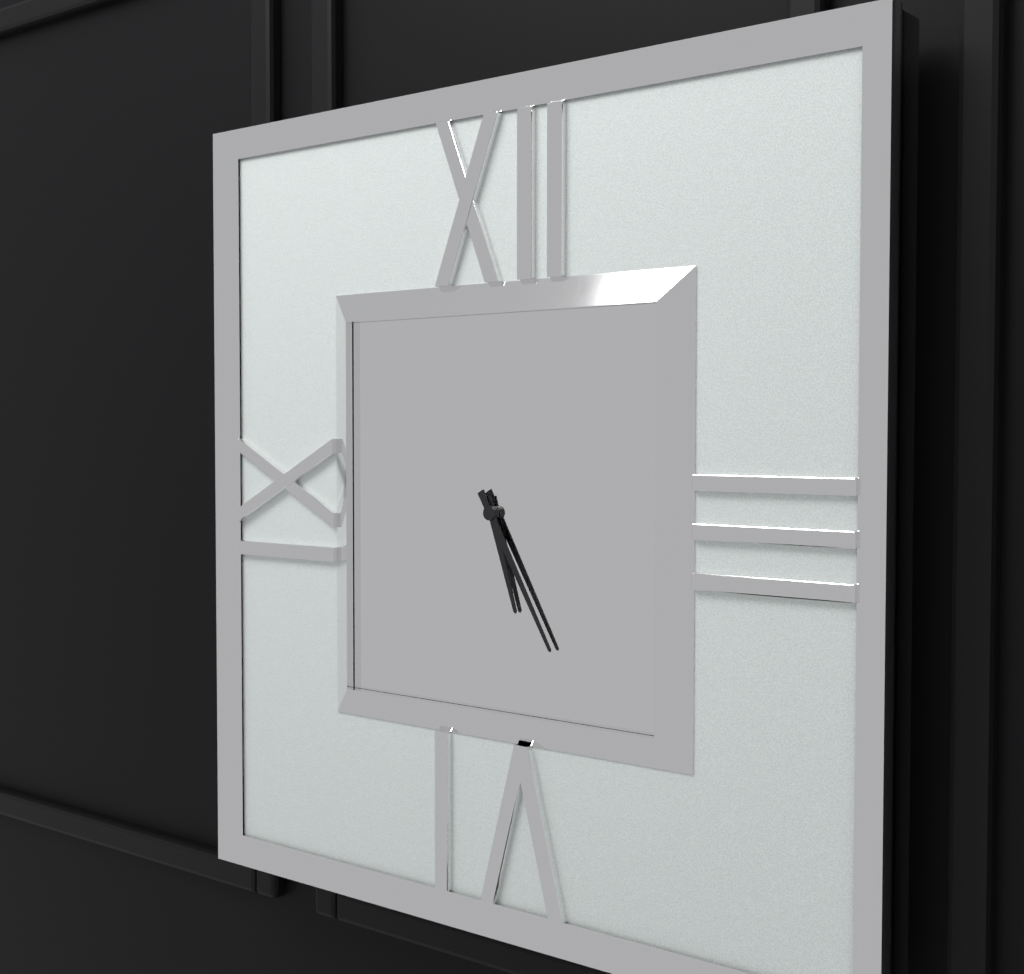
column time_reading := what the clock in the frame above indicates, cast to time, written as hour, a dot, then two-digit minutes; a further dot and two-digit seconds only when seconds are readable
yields 5.25
